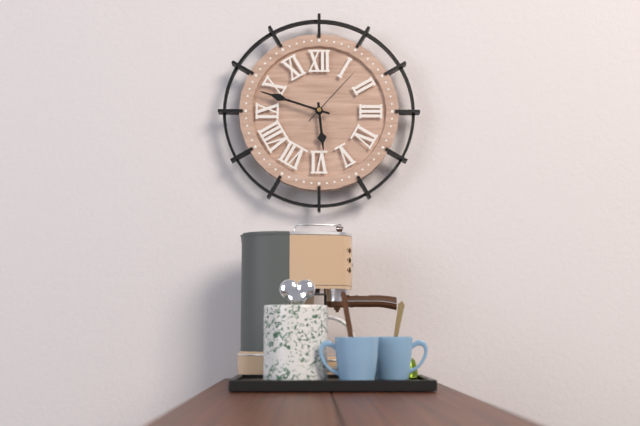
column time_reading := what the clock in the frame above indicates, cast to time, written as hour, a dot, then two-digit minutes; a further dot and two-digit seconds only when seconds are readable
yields 5.48.07
